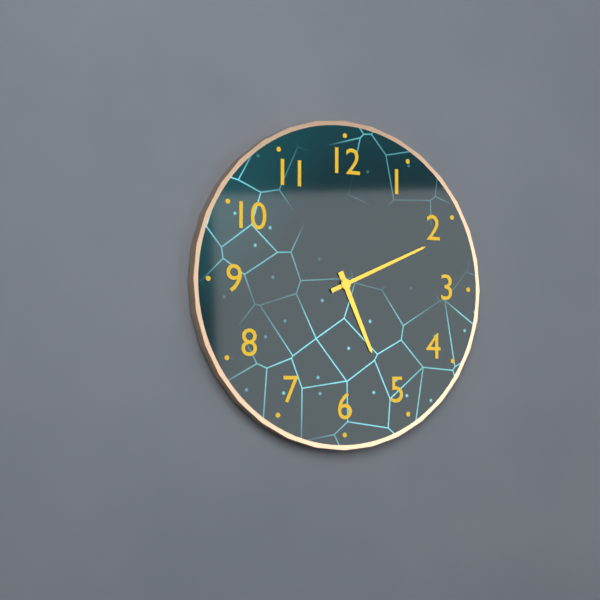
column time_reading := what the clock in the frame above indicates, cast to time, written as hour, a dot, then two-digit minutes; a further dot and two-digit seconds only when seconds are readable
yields 5.11
